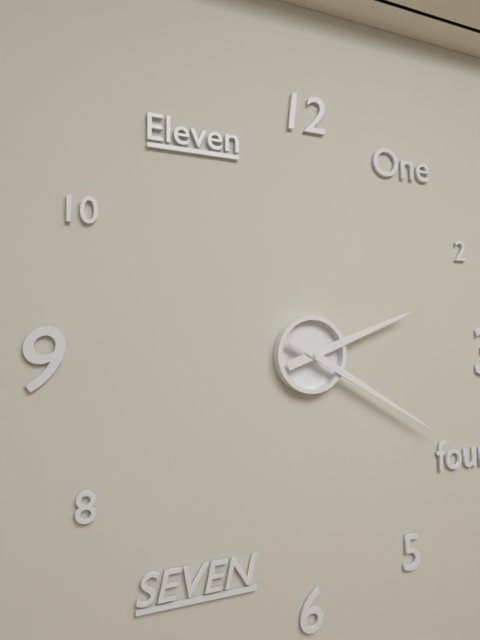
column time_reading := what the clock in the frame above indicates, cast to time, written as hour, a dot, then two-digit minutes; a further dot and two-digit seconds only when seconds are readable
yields 2.20
